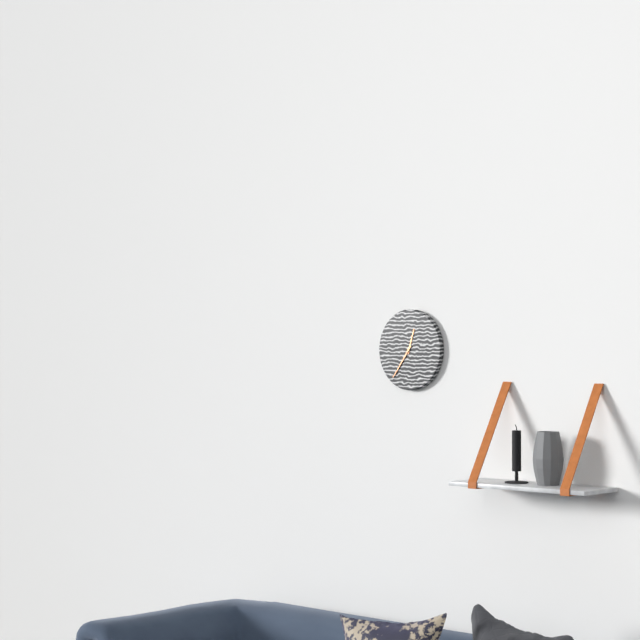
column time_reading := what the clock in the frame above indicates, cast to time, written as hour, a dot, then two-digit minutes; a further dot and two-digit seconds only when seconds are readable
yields 12.36
